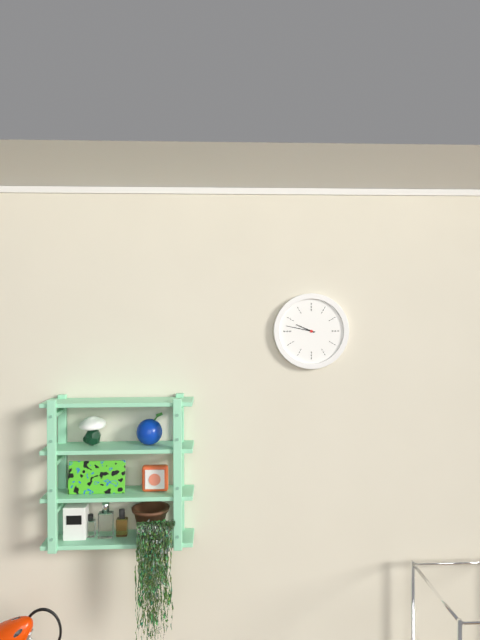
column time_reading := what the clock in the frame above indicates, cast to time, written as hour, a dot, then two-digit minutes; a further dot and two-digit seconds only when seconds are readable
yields 9.47
